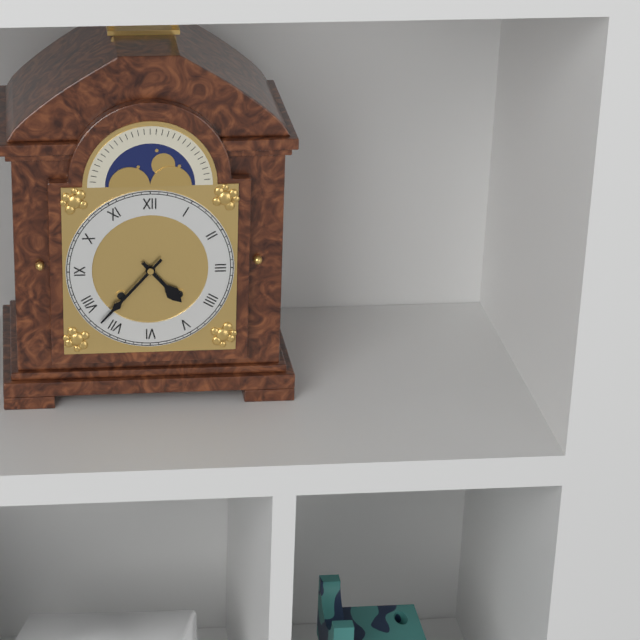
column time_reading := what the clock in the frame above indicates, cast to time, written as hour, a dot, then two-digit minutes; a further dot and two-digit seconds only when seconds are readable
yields 4.37
